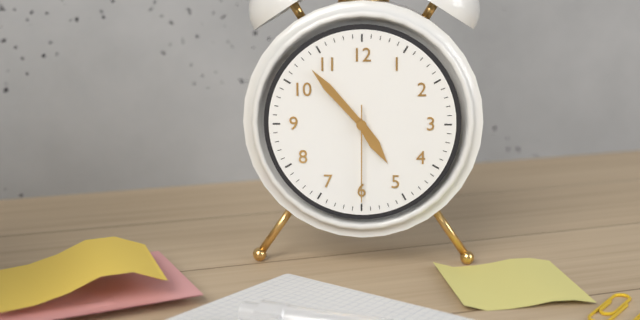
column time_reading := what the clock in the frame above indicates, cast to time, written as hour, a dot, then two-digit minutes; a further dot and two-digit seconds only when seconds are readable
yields 4.53.30
